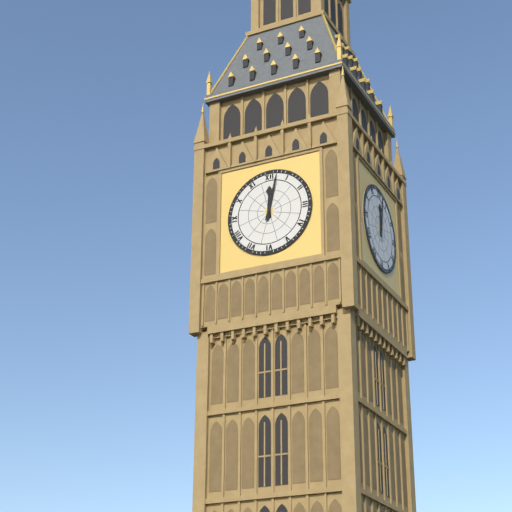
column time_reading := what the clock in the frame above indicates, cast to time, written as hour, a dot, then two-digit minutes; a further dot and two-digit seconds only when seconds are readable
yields 12.02
